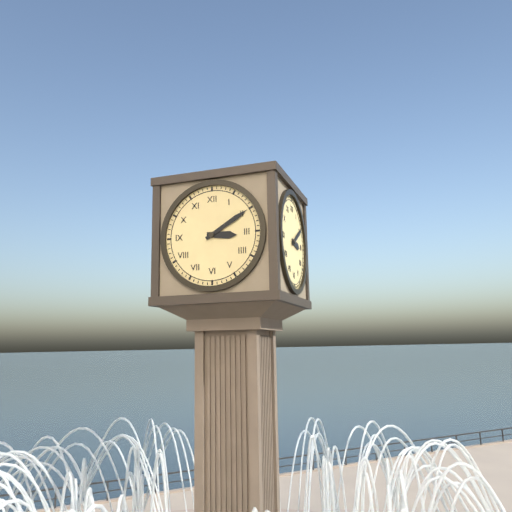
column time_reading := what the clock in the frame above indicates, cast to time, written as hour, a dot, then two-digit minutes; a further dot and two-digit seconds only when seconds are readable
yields 3.10
